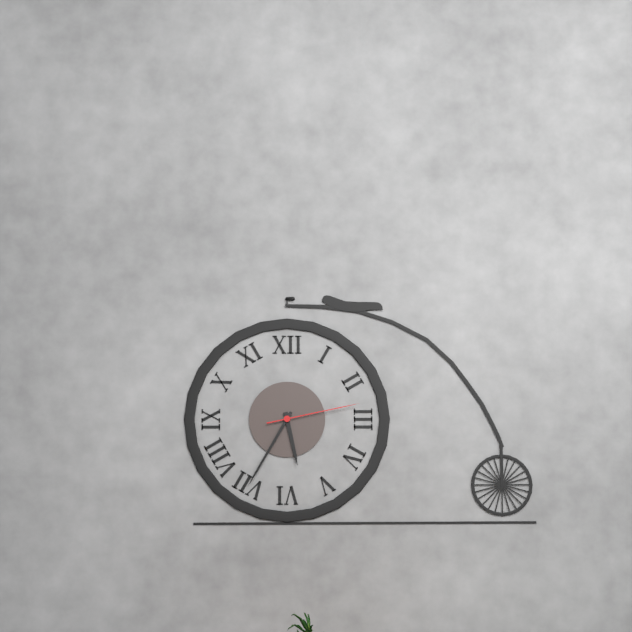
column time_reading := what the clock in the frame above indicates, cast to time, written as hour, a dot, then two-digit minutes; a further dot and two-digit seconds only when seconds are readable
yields 5.35.13
